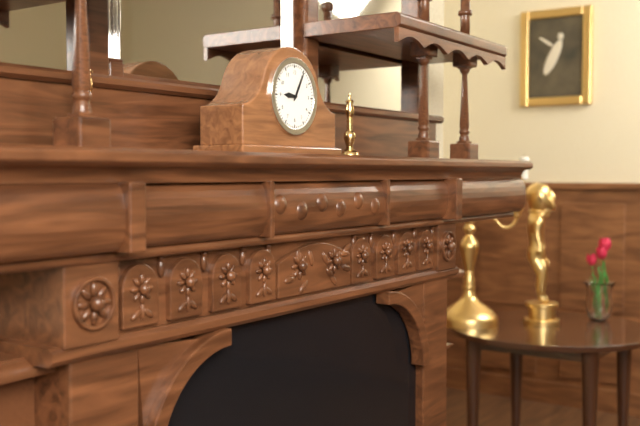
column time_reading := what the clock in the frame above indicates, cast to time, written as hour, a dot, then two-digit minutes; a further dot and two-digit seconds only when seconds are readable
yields 9.05
